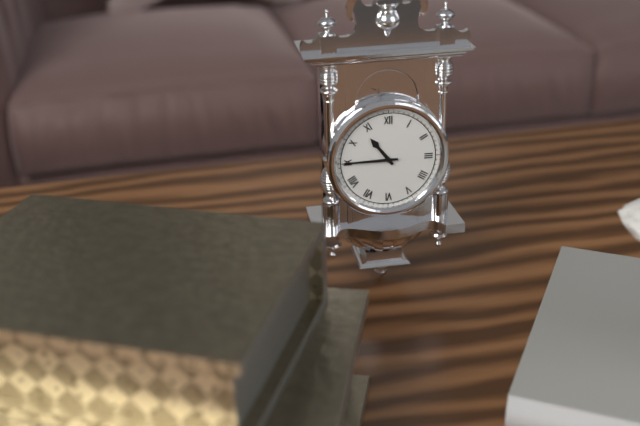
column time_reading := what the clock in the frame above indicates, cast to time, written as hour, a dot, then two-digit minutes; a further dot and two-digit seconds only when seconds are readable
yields 10.45
